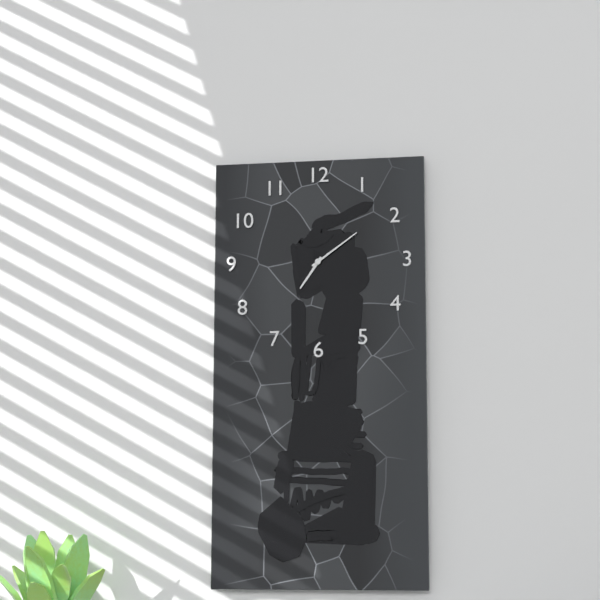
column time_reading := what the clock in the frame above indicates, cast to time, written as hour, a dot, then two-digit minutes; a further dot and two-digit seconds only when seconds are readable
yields 7.09
